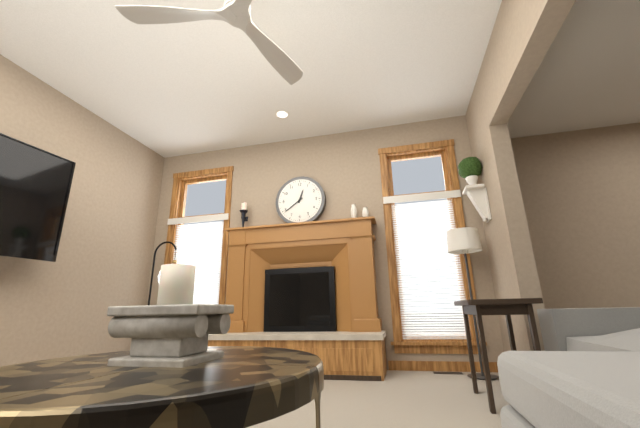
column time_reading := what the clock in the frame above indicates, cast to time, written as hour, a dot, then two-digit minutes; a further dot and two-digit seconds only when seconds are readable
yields 12.39
